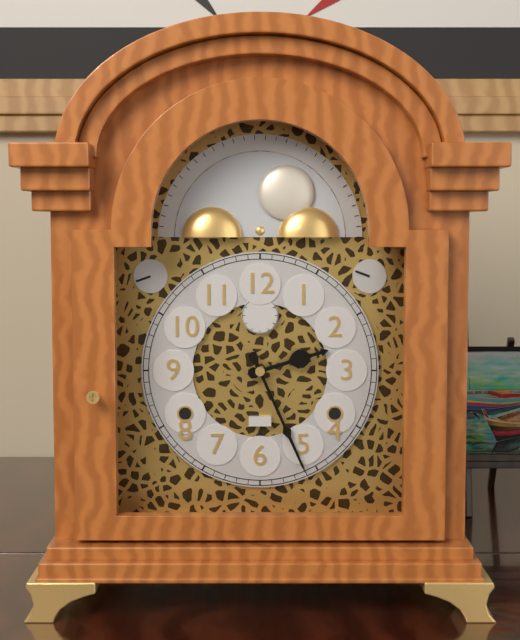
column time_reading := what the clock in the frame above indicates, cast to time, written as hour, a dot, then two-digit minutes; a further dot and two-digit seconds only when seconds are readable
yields 2.26
